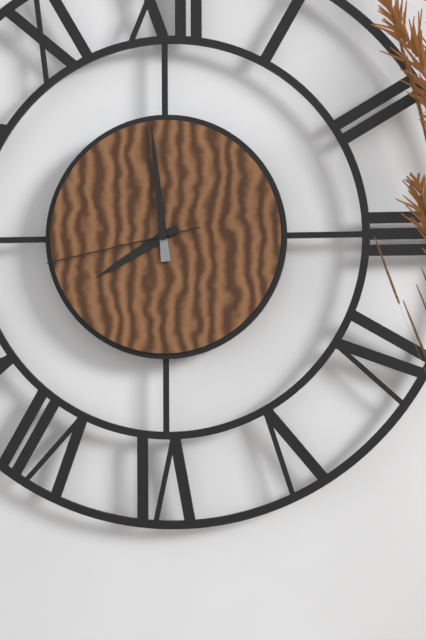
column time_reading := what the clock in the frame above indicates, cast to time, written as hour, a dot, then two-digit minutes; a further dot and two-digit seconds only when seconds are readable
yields 7.59.43
